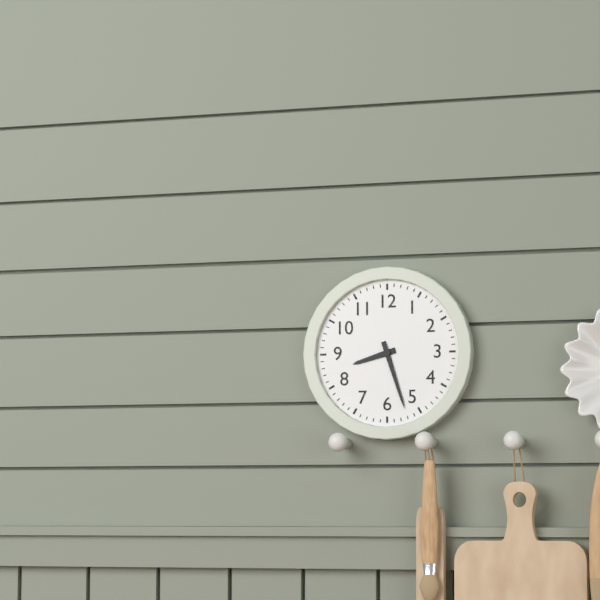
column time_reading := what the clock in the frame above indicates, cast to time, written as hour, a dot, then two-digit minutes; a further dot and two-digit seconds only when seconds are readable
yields 8.27
